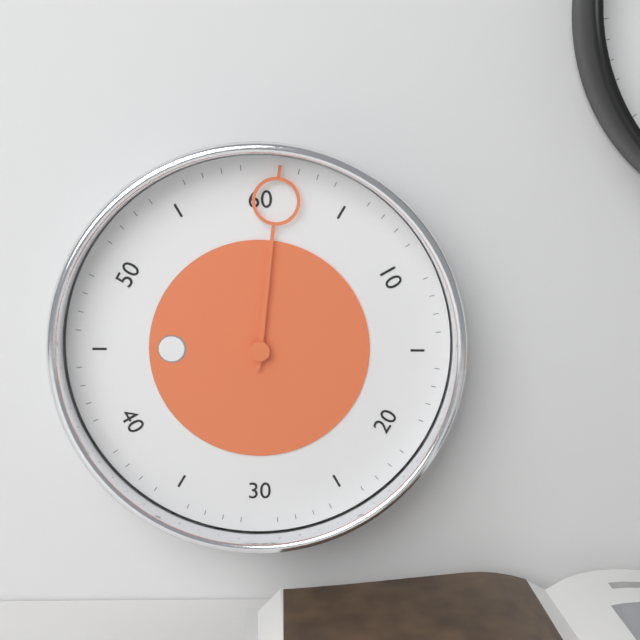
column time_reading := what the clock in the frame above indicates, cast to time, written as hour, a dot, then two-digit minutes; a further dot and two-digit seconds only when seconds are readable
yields 9.01
